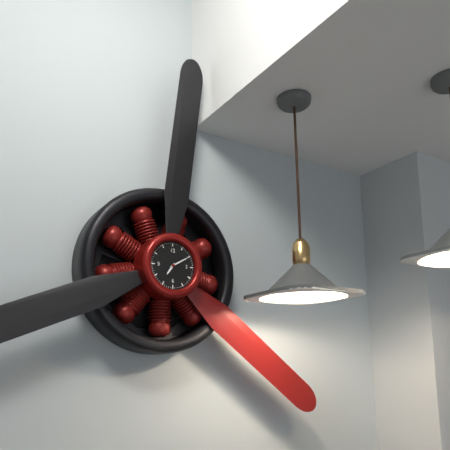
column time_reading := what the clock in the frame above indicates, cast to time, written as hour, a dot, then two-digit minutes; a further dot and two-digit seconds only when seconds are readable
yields 7.10
